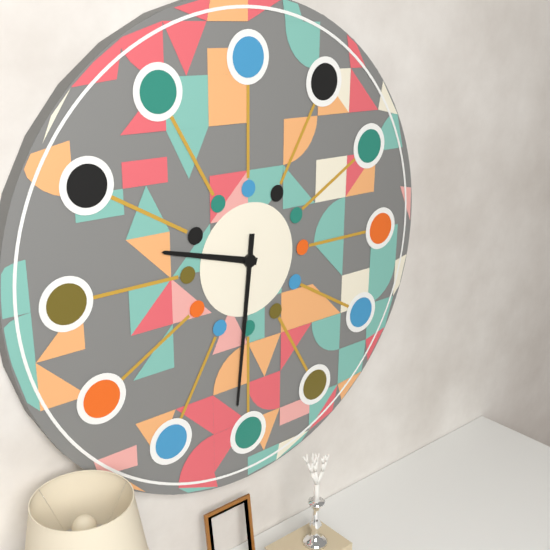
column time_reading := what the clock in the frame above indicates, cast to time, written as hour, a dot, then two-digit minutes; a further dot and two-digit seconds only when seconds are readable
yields 9.31
